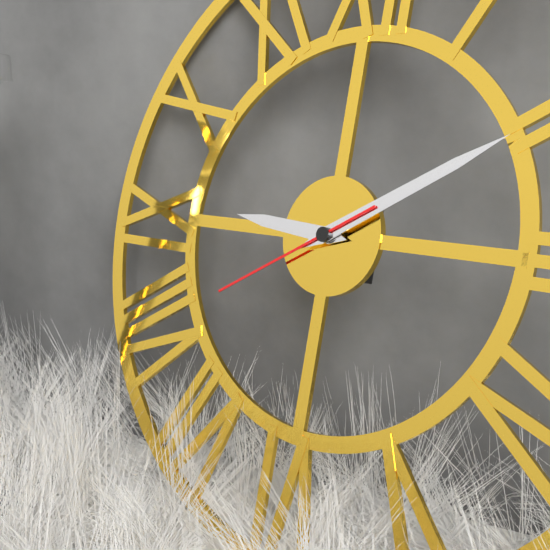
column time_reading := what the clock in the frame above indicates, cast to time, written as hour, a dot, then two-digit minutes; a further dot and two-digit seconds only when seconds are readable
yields 9.10.40
